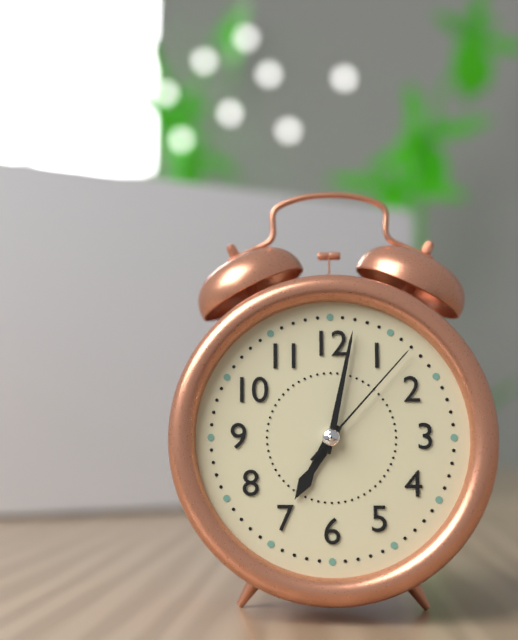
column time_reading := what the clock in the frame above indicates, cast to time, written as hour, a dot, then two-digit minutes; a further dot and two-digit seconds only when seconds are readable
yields 7.02.07
